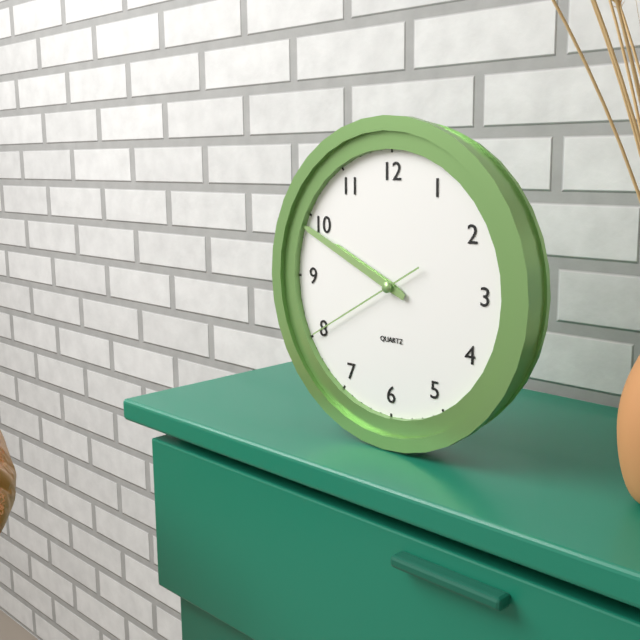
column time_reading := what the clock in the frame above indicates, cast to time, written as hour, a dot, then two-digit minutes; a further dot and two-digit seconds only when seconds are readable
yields 9.49.40
